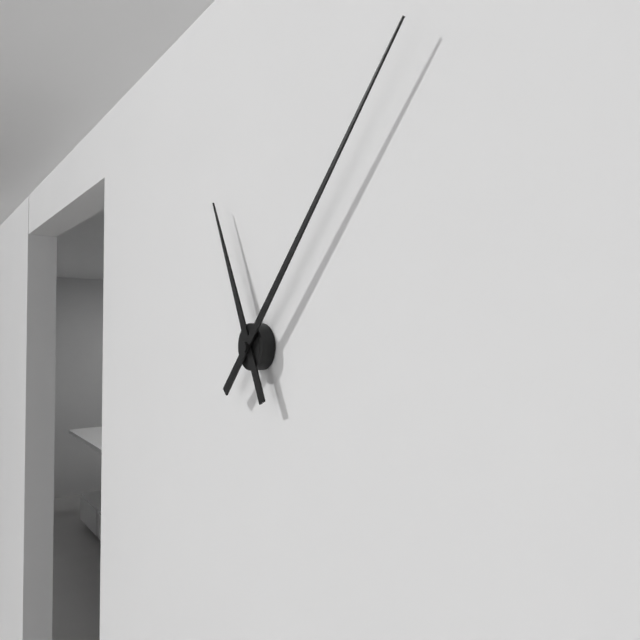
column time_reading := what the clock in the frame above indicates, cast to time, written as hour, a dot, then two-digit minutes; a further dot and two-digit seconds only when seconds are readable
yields 11.07
